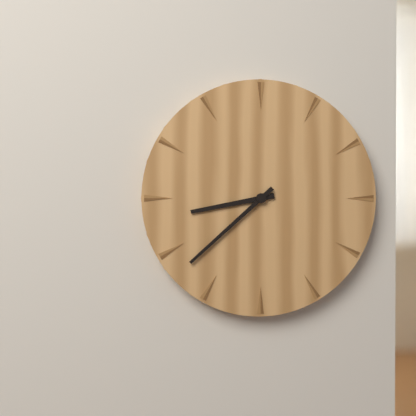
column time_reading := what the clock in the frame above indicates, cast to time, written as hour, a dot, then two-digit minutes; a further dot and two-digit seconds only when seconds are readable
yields 8.38
